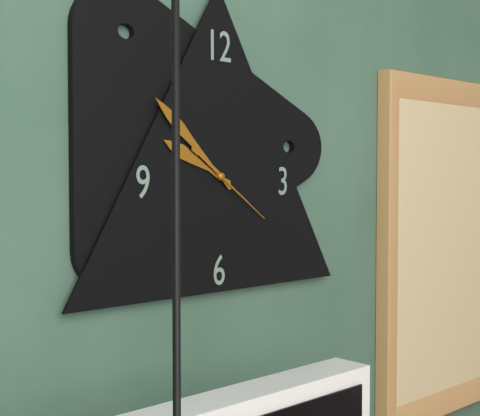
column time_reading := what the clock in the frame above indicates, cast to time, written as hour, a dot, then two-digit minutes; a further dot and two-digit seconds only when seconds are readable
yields 9.52.21
